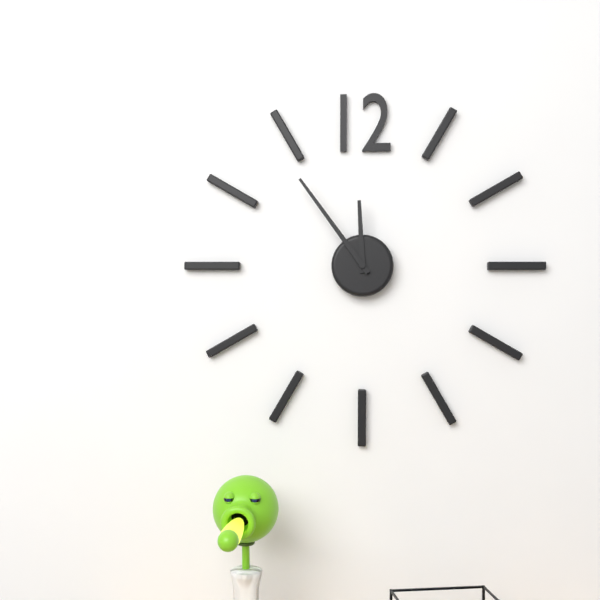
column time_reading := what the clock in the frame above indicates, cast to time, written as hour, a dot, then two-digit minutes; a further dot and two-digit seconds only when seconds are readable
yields 11.54
